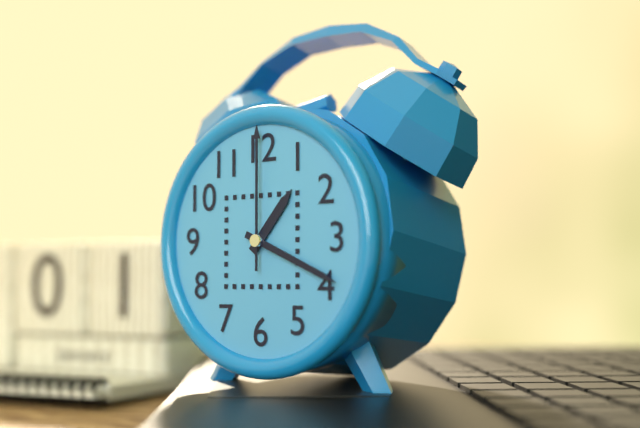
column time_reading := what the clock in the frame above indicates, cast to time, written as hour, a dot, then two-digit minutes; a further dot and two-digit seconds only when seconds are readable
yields 1.19.00
